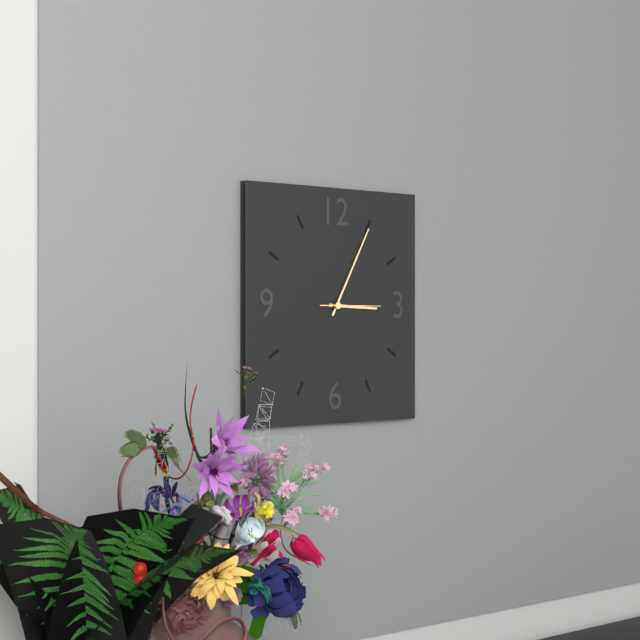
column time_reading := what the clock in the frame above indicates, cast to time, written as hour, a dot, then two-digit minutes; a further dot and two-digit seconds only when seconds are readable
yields 3.05.15
